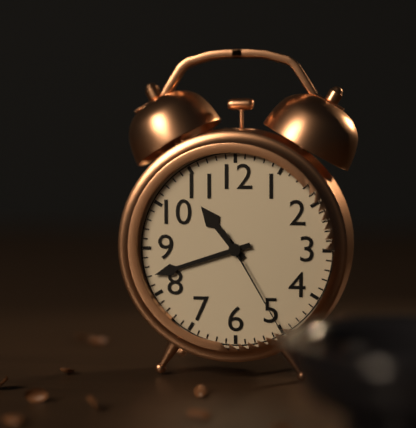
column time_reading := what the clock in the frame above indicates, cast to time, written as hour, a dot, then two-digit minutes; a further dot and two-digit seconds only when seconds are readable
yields 10.42.25
